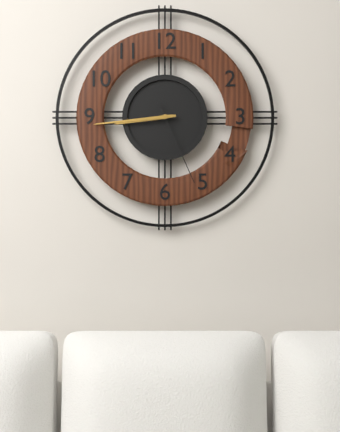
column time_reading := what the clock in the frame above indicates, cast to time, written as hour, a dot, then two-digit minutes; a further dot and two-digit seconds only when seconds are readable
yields 8.44.26
